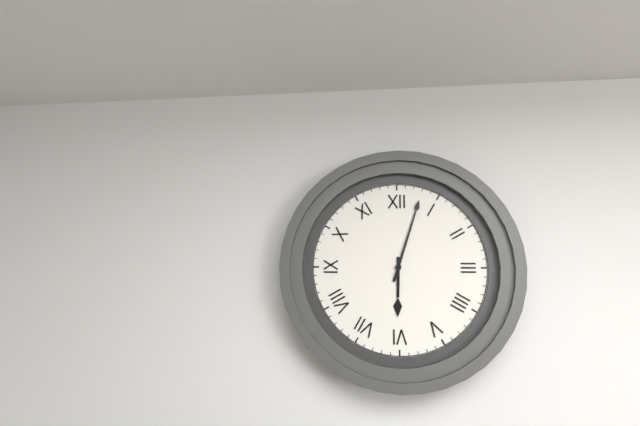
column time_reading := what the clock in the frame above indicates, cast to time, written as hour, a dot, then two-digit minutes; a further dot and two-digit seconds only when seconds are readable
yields 6.03
